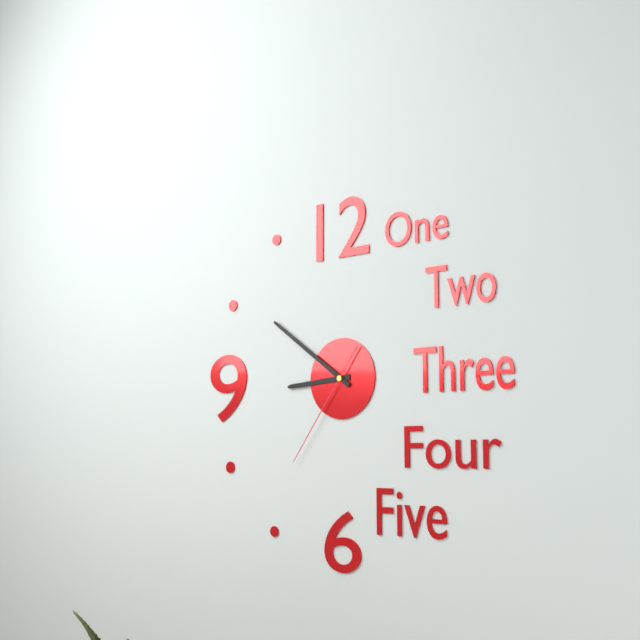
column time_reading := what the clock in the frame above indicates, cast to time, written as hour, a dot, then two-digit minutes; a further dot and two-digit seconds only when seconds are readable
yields 8.51.36
